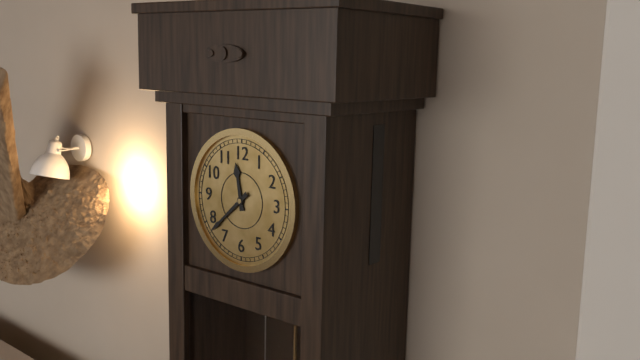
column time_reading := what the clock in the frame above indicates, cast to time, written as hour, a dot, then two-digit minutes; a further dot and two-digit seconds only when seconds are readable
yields 11.38
